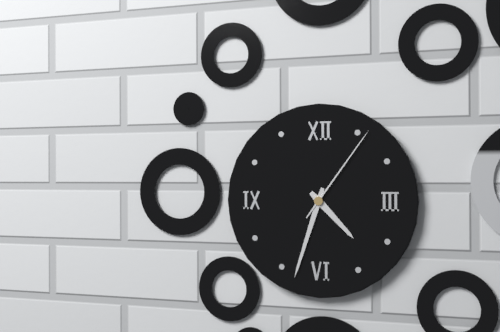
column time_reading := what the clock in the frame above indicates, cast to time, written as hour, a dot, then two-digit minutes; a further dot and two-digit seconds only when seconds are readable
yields 4.33.06
